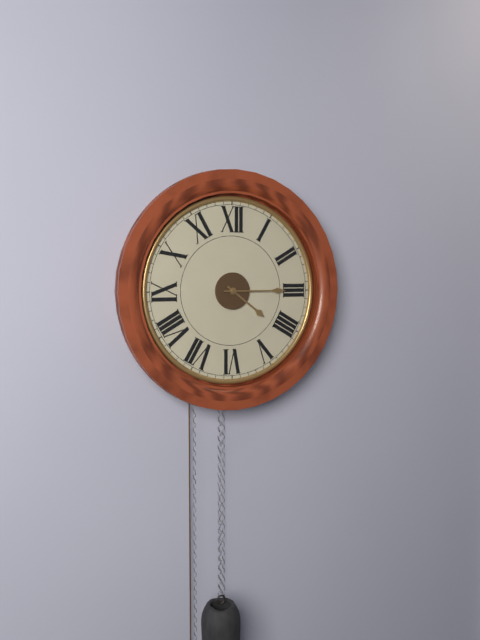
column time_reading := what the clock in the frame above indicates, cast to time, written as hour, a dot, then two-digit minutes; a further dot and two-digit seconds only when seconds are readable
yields 4.15
